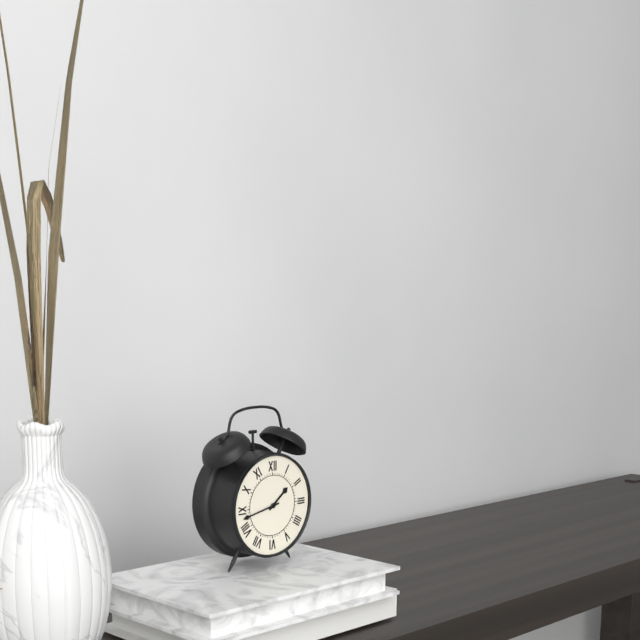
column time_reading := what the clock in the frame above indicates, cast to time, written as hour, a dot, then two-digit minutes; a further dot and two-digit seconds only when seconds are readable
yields 1.43
